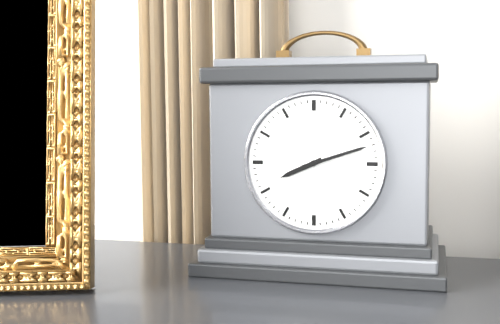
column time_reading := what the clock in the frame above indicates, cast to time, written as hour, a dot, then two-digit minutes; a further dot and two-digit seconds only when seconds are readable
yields 8.12
